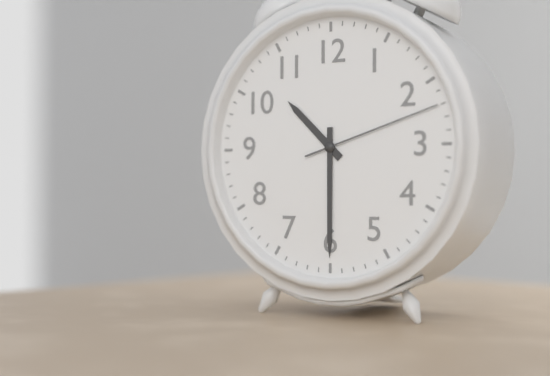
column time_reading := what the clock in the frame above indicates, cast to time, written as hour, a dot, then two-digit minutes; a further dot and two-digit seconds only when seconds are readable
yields 10.30.12
